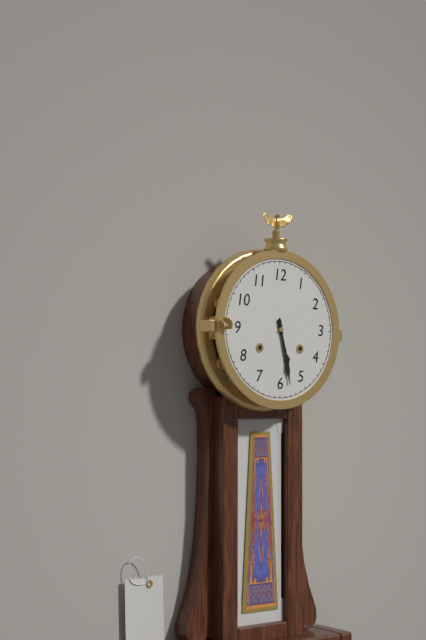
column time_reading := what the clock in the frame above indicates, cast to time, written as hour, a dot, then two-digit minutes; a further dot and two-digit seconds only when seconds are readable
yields 5.28
